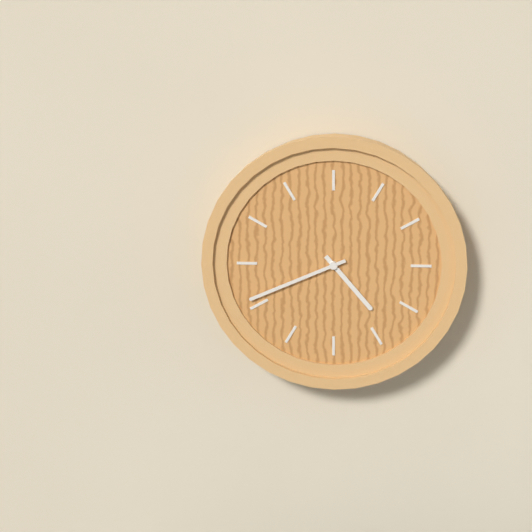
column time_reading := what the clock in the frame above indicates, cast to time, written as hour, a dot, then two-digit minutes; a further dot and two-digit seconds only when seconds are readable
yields 4.41
